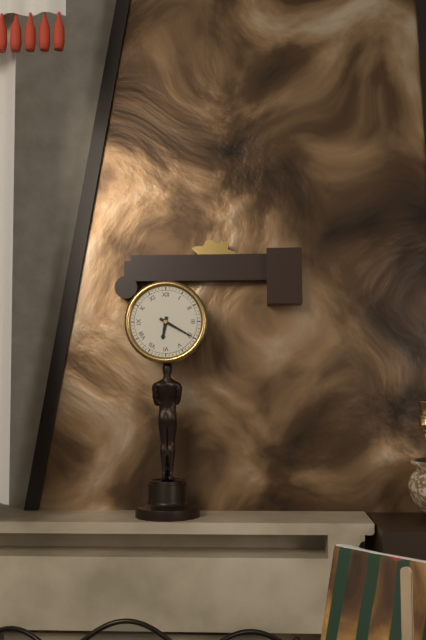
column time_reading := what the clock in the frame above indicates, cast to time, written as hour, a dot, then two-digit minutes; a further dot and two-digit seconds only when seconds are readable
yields 6.20
